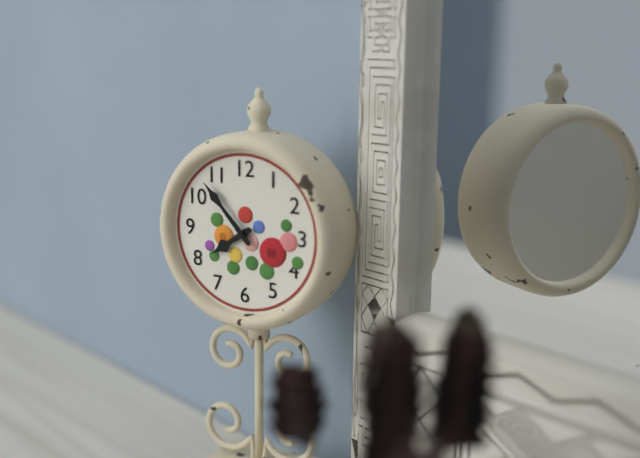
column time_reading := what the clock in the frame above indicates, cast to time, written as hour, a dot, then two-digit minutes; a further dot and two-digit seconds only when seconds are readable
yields 7.53
